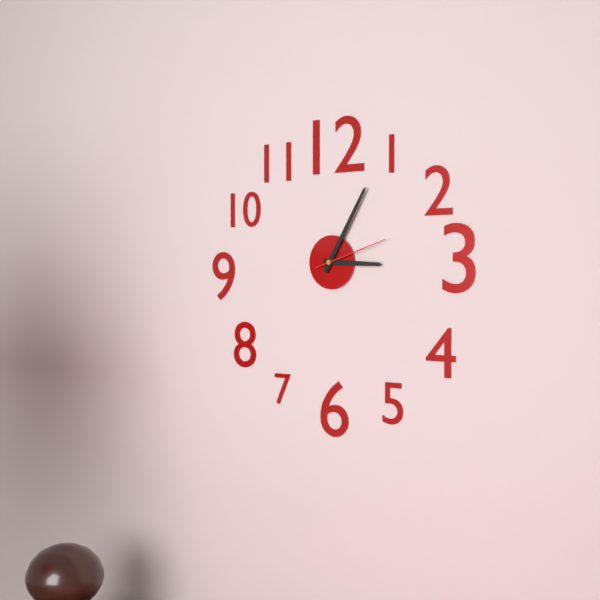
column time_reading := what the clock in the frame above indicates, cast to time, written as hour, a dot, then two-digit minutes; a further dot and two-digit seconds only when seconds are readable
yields 3.05.12
